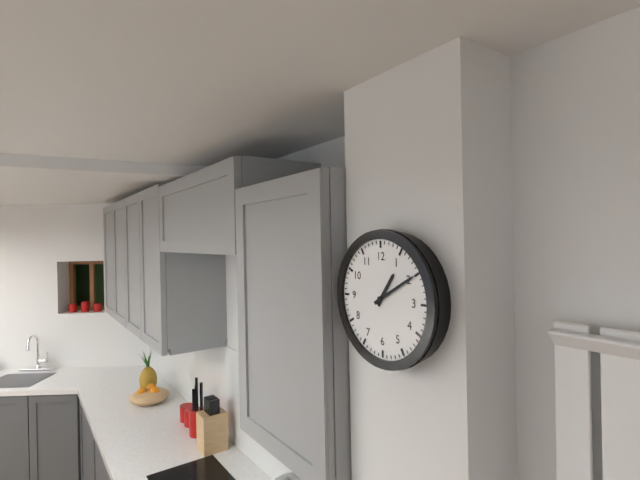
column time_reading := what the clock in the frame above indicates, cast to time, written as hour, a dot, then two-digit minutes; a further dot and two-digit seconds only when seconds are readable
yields 1.10
